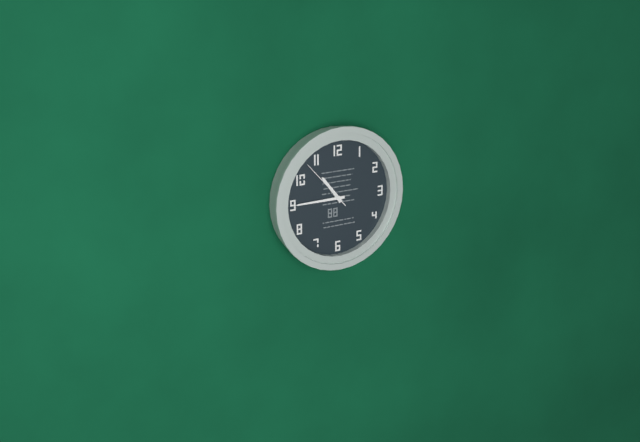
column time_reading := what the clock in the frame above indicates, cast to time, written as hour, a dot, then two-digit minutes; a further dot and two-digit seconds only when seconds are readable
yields 10.45.53
